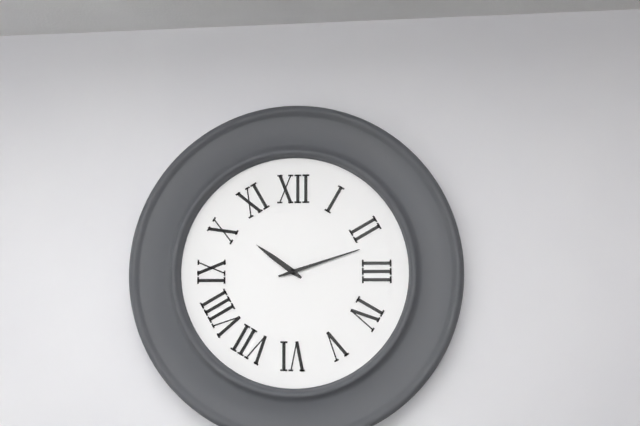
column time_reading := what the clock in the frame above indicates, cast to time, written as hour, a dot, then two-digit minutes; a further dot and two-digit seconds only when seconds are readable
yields 10.12
